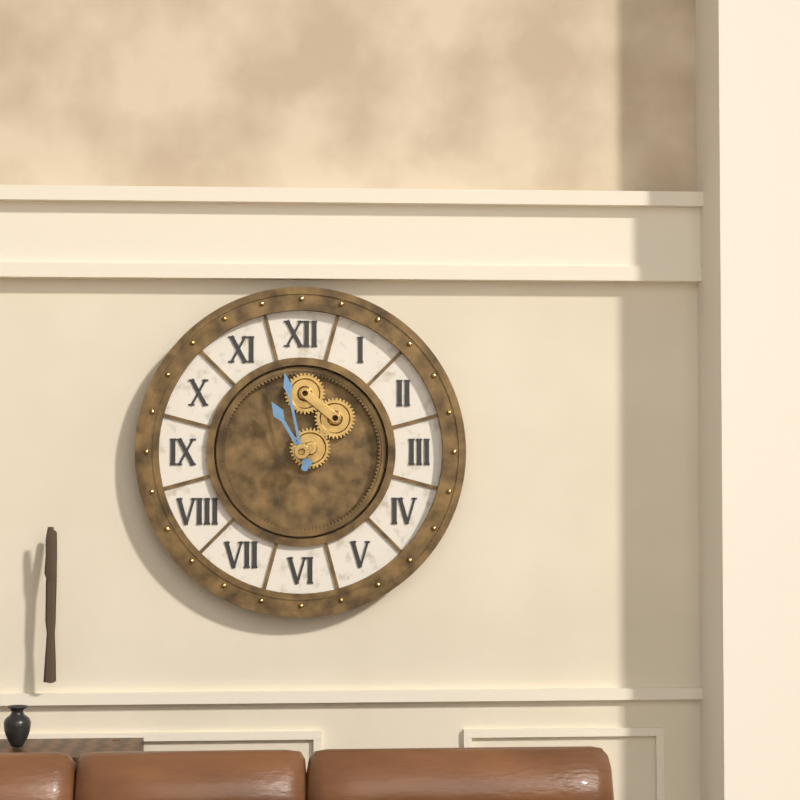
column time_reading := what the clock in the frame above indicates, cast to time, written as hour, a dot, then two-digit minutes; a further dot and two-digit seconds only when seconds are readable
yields 10.58
